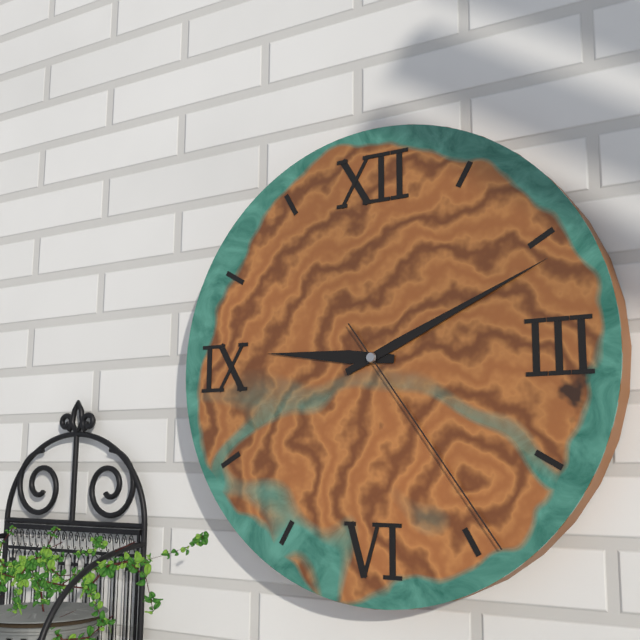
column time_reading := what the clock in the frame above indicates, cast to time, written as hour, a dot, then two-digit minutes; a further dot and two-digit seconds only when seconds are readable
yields 9.11.24
